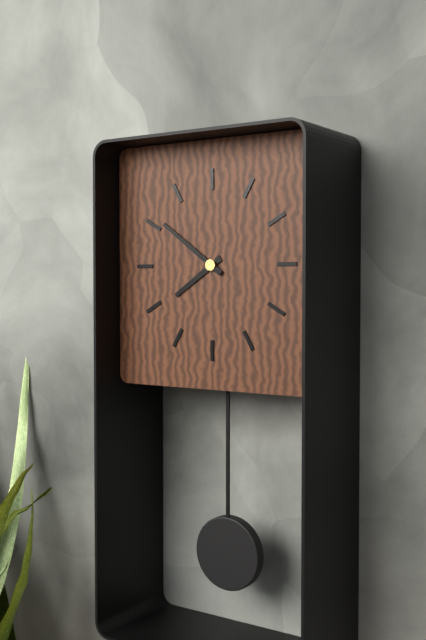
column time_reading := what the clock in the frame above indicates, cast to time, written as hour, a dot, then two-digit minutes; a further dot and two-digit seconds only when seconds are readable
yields 7.51
